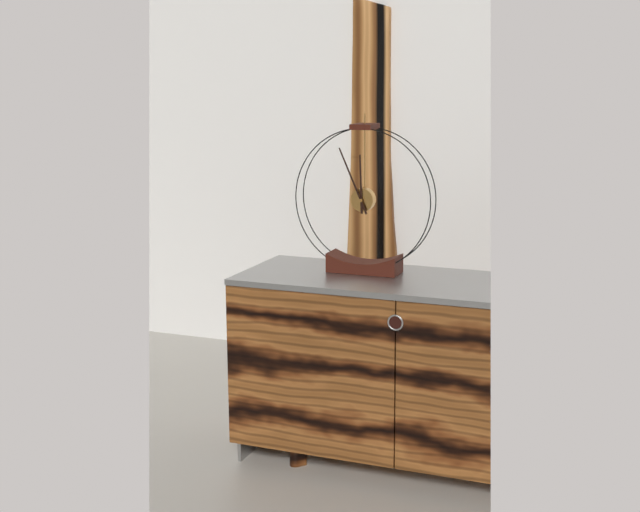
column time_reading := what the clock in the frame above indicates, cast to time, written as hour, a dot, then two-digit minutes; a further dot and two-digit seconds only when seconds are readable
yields 11.56
